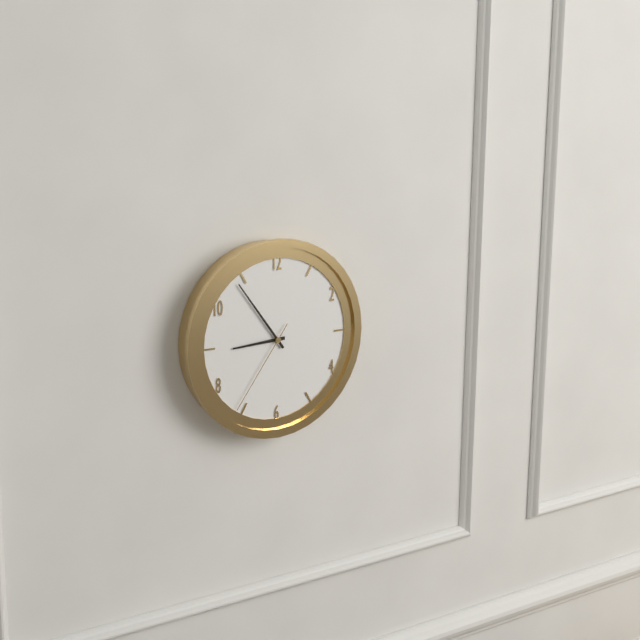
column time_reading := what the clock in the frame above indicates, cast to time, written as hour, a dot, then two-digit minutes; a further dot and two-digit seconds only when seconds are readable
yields 8.54.36
